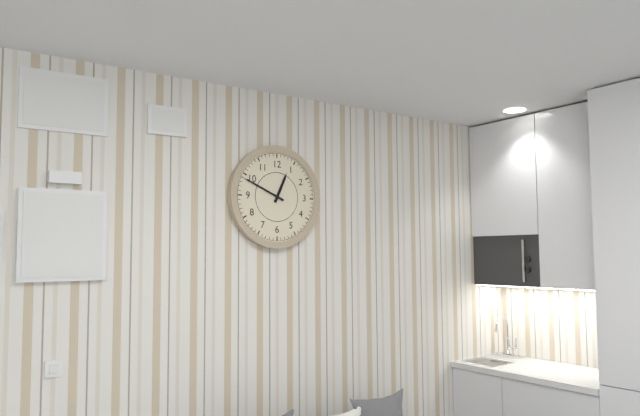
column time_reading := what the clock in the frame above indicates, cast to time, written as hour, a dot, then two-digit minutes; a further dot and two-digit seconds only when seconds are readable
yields 12.49
